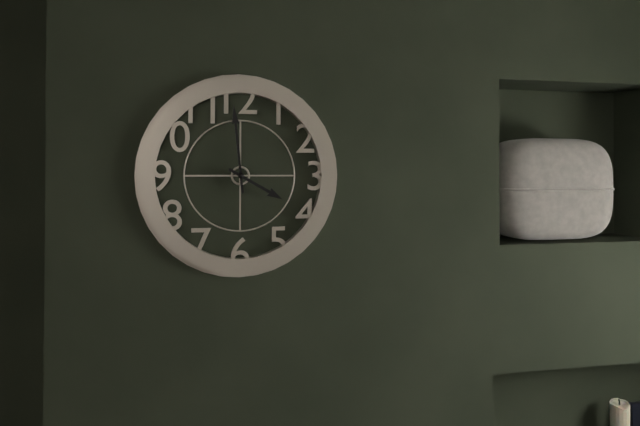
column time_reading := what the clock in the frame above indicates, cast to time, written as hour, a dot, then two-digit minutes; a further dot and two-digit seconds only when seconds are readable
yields 3.59
